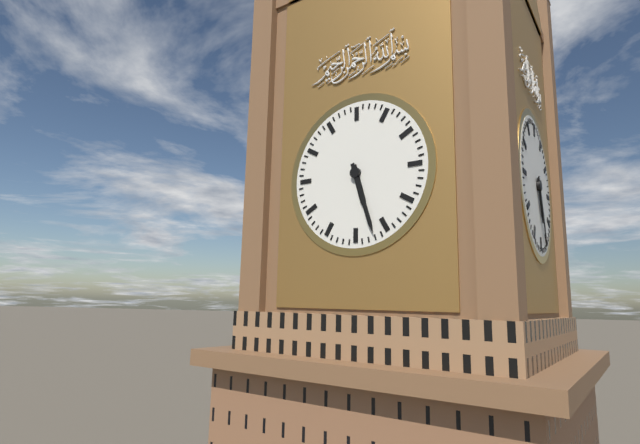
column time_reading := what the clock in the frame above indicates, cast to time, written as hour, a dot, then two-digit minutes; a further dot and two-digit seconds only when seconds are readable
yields 5.27
